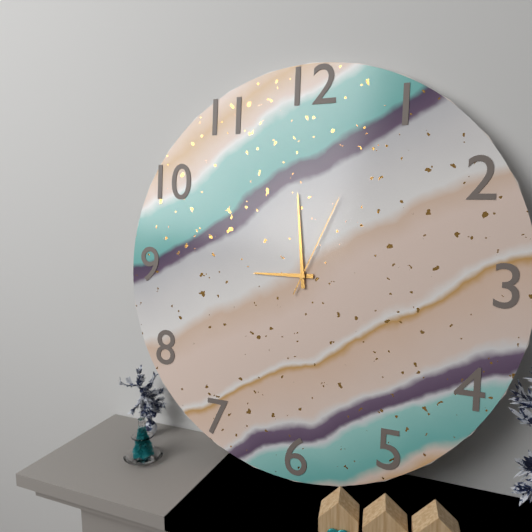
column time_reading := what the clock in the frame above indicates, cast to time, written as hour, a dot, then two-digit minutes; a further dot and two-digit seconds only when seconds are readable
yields 8.59.04
